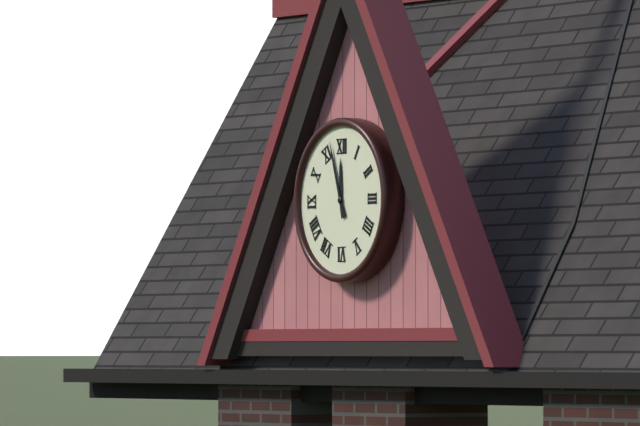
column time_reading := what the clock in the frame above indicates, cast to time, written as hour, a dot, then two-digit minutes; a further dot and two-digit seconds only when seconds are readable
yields 11.57
